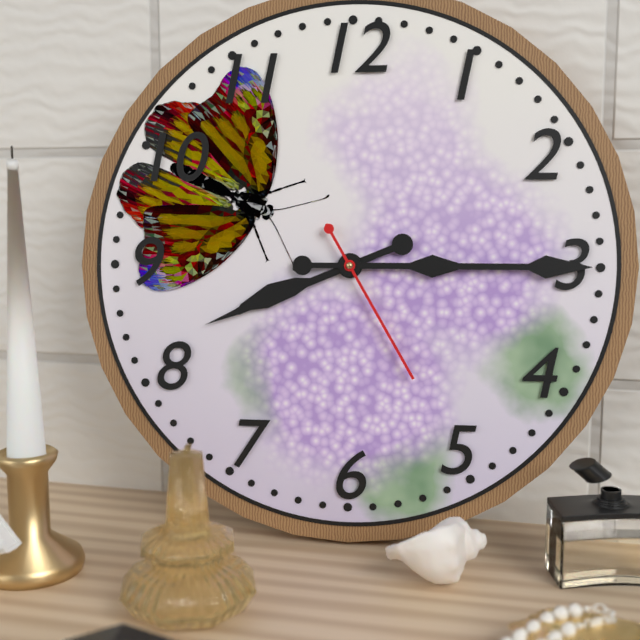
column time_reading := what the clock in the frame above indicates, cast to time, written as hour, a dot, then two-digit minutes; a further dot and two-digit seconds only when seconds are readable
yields 8.15.25
